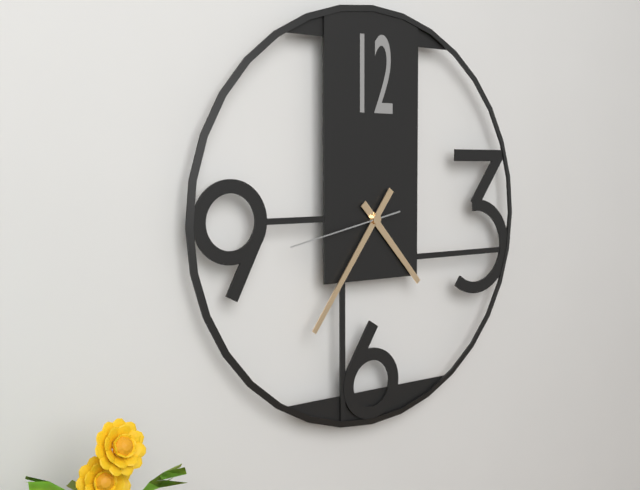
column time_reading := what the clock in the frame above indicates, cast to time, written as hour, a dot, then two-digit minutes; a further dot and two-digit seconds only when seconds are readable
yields 4.36.43
